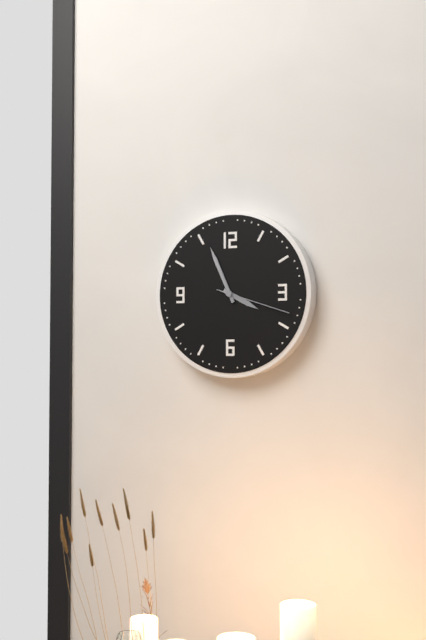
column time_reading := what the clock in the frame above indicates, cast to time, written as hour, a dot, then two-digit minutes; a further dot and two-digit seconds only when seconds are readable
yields 3.56.18
